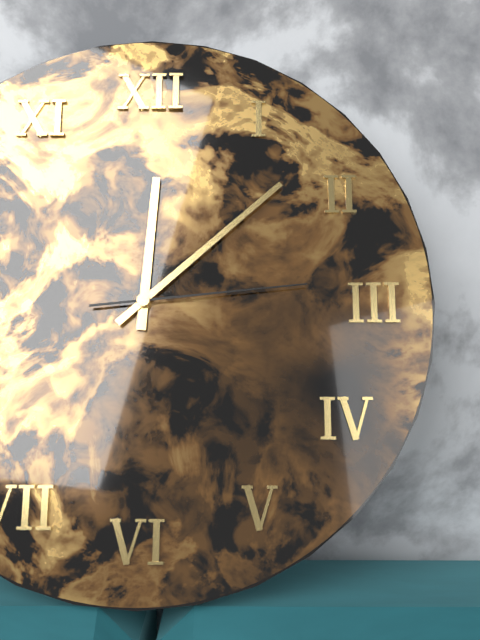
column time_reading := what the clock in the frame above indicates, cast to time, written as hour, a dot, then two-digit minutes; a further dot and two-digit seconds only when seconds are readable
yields 12.08.14
